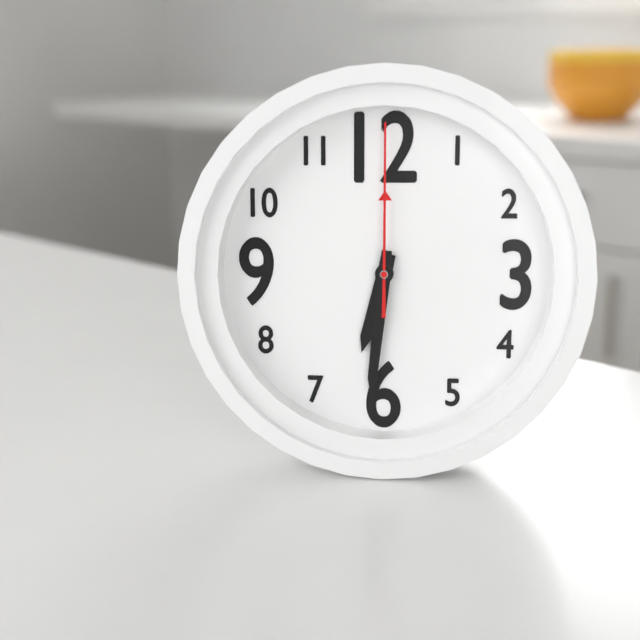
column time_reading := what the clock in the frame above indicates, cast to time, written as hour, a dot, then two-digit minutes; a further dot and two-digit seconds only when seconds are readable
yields 6.31.00
